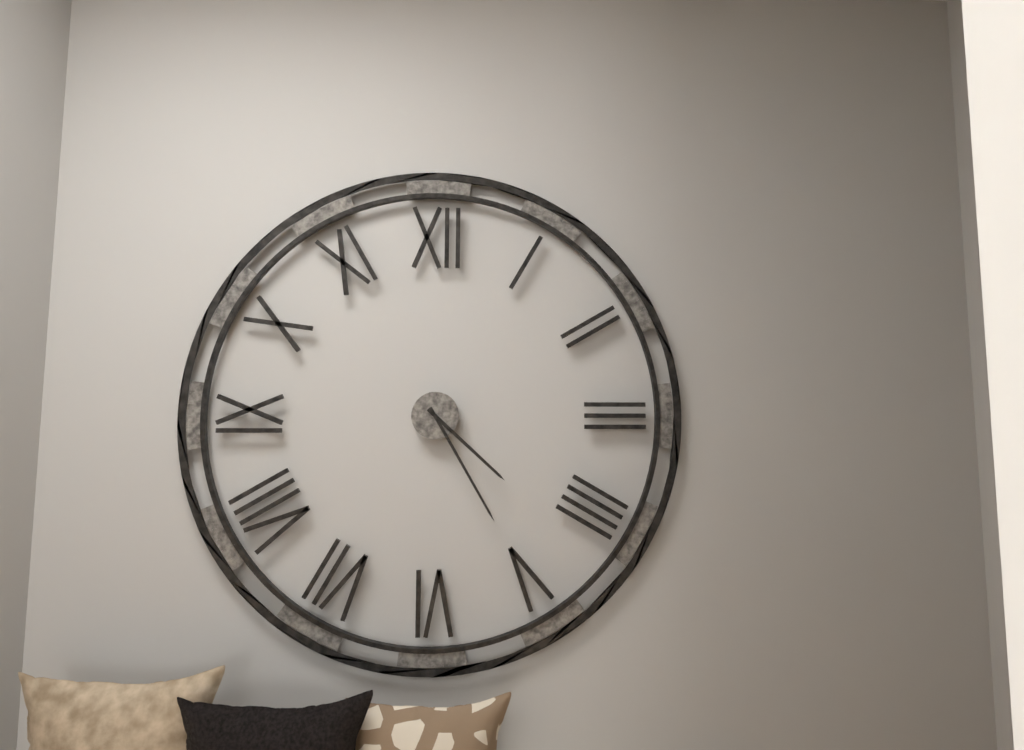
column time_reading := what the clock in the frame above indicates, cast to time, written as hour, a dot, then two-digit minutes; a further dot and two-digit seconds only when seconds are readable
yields 4.25
